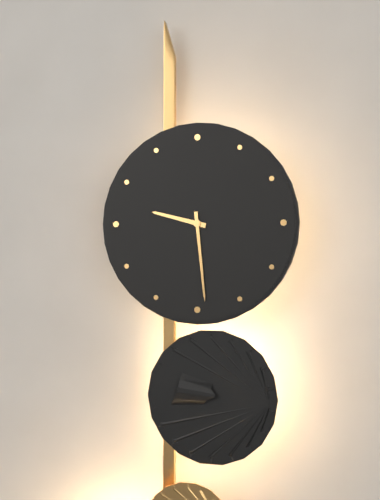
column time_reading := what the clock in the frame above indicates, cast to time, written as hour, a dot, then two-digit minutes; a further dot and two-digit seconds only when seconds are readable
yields 9.29
